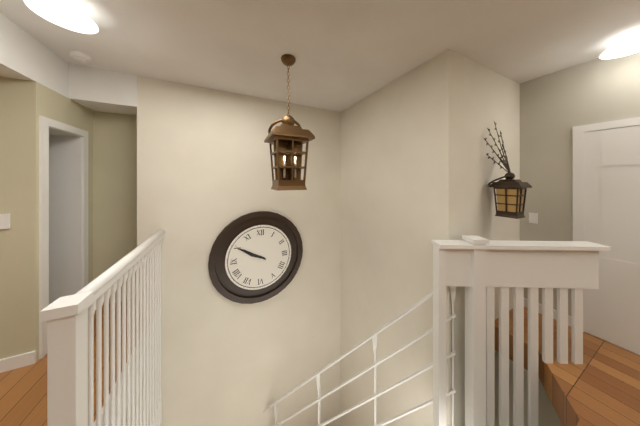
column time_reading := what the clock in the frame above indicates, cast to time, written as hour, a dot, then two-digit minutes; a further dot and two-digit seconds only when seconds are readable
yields 9.50
